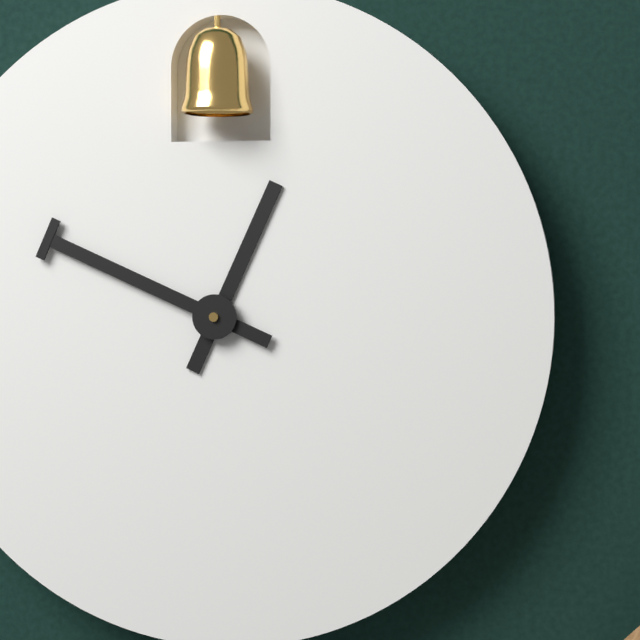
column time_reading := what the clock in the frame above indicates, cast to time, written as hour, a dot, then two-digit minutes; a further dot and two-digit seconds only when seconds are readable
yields 12.49
